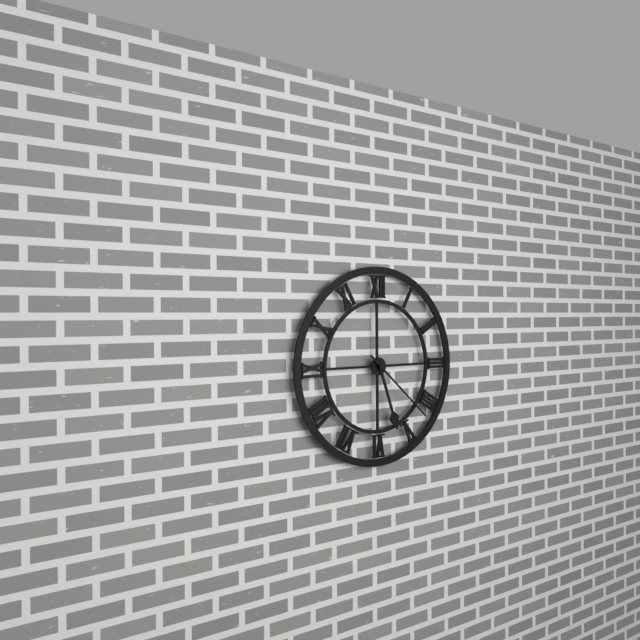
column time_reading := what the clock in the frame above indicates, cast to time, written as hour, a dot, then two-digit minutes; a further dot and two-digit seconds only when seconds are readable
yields 5.22
